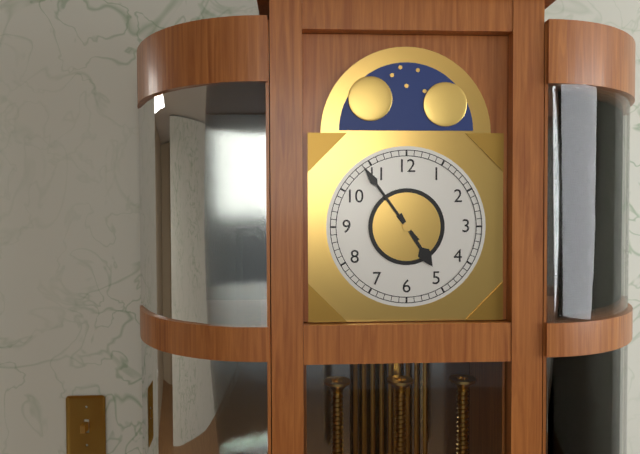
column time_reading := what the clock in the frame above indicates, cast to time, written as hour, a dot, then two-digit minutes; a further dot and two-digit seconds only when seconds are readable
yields 4.54
